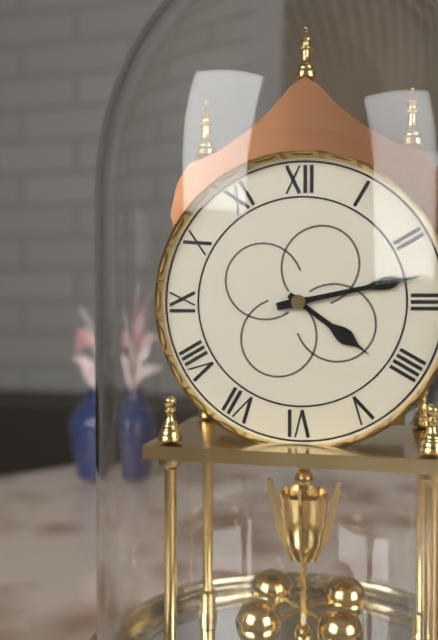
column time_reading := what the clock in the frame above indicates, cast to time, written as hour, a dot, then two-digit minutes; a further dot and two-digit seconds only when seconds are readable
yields 4.13
